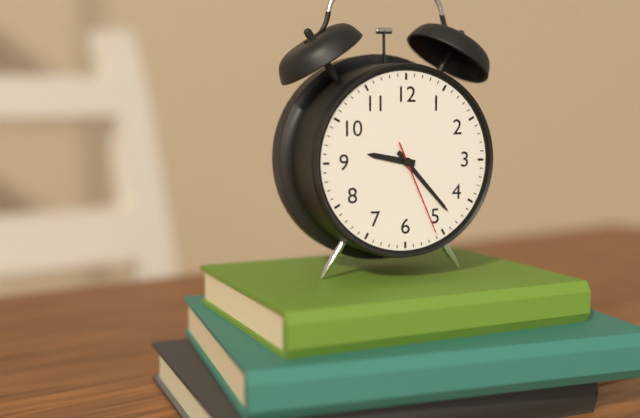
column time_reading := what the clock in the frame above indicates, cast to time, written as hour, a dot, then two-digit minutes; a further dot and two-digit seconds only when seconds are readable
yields 9.23.26
